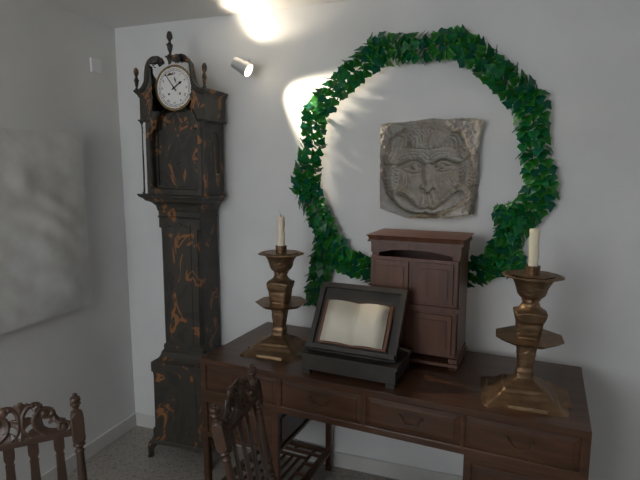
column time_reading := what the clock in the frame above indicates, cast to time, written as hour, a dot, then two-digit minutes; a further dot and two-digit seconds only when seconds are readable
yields 1.54
